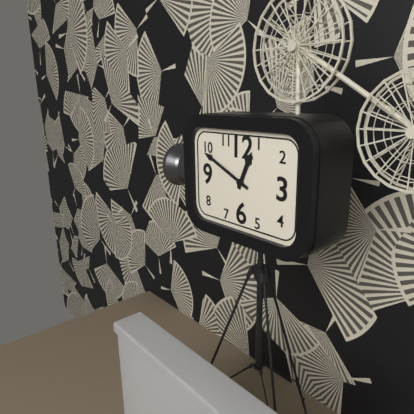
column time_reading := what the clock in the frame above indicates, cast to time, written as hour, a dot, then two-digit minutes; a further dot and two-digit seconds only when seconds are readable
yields 12.49
